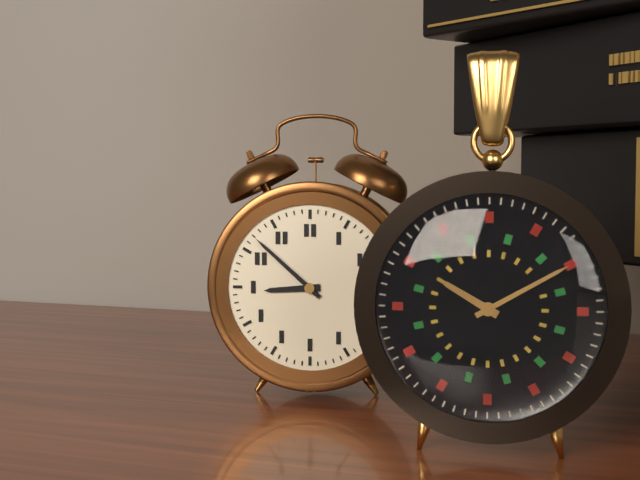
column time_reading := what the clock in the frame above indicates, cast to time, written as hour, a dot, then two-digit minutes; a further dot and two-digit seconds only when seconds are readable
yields 8.52
